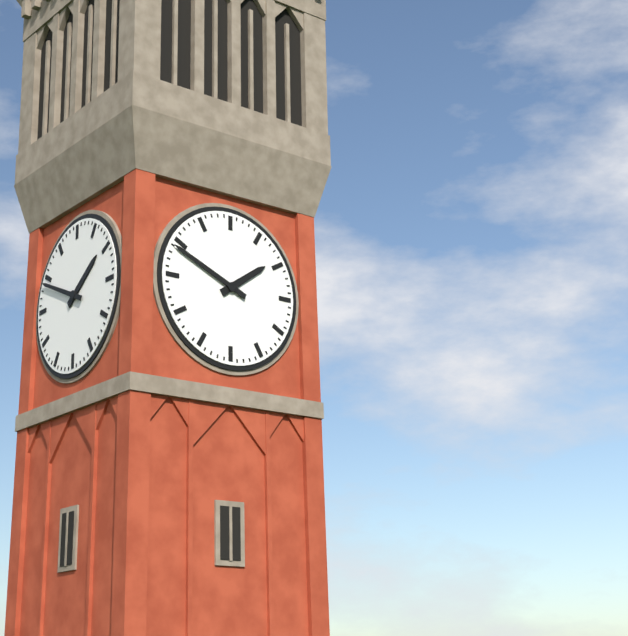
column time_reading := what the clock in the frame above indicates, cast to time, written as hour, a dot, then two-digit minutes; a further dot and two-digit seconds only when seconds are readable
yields 1.49
